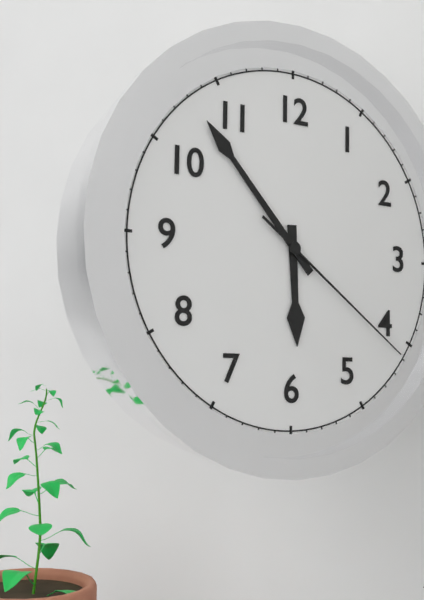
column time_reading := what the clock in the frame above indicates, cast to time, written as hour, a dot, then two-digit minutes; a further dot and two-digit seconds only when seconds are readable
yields 5.53.21
